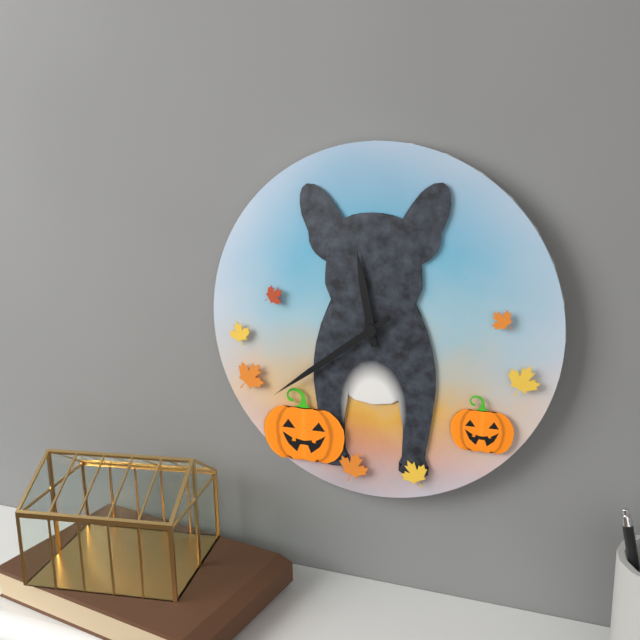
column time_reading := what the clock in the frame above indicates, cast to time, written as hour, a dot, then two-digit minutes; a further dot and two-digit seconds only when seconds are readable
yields 11.39
